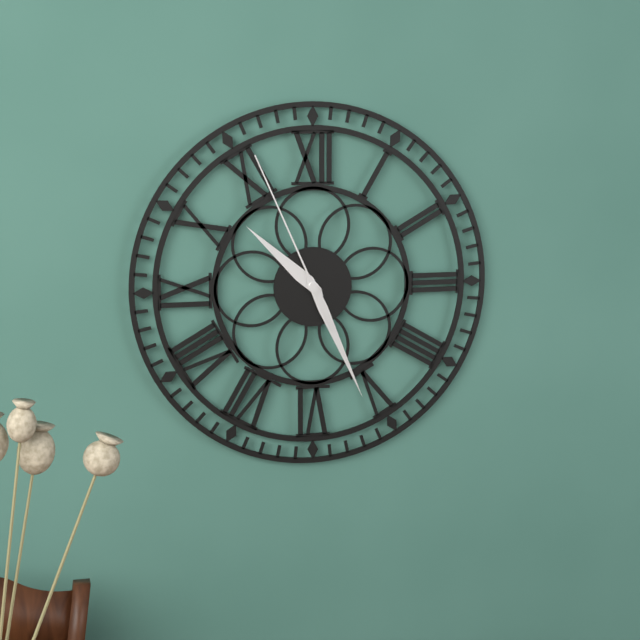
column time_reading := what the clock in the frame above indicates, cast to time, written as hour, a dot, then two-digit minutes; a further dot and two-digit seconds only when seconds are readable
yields 10.26.56
